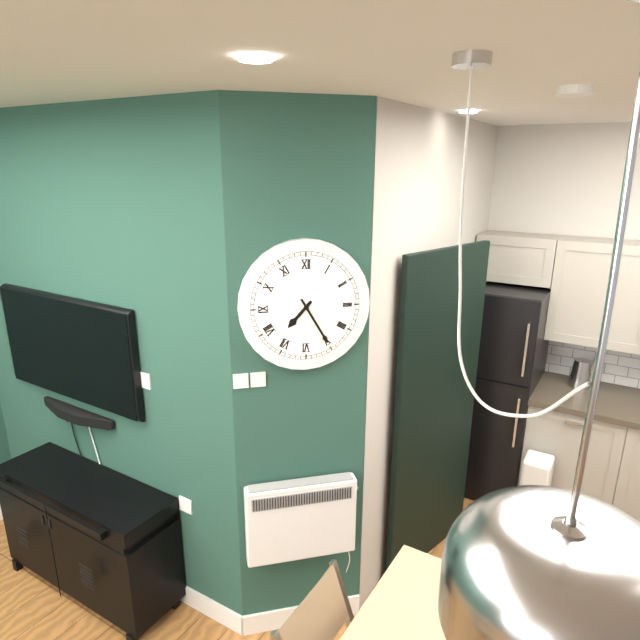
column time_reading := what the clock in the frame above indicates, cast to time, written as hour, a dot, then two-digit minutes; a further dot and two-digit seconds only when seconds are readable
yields 7.25
